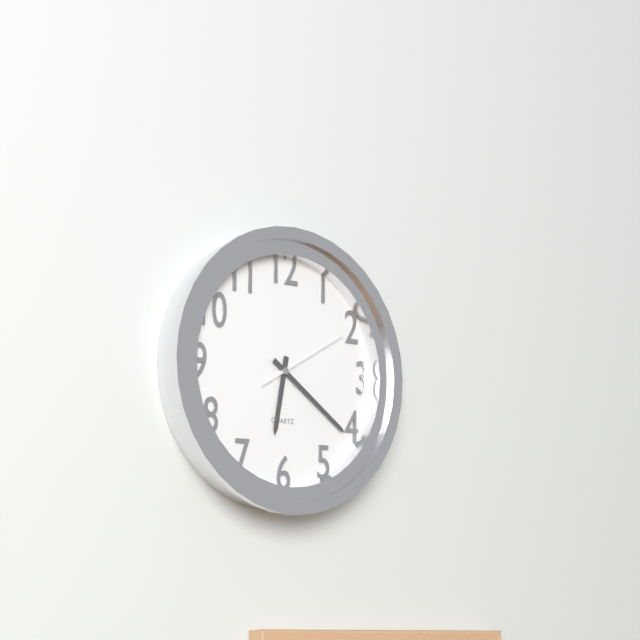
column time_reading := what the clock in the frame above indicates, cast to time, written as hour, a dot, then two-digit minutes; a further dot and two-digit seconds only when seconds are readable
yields 6.21.10
